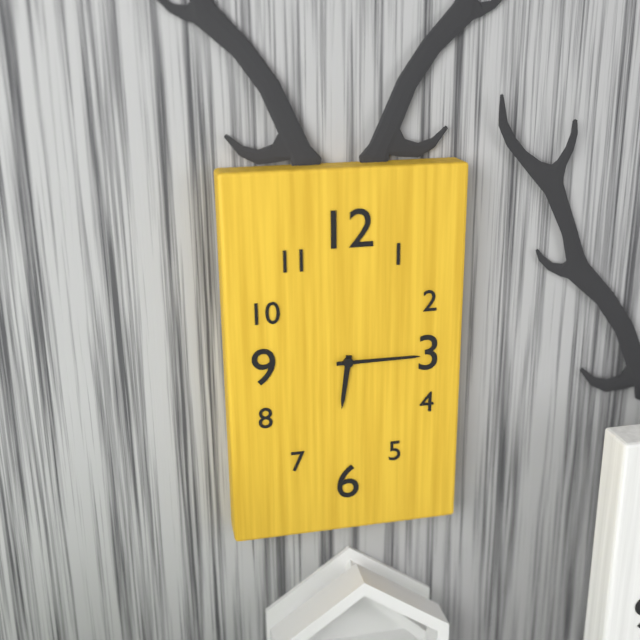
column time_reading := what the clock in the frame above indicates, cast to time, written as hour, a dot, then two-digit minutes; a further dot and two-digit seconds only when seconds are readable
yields 6.15
